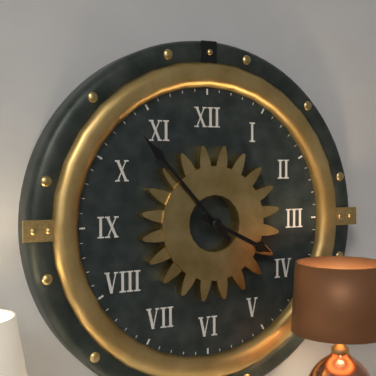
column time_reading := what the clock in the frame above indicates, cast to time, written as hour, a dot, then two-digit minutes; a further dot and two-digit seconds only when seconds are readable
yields 3.53
